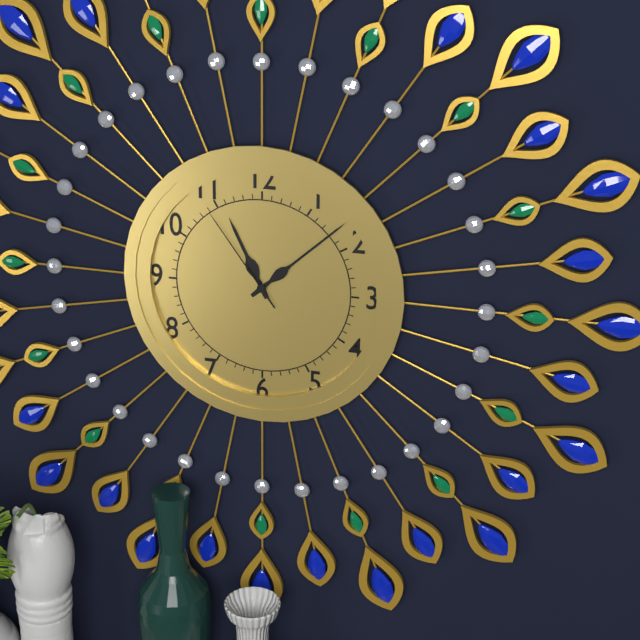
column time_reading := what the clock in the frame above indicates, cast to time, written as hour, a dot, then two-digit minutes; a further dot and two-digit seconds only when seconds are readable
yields 11.08.54
